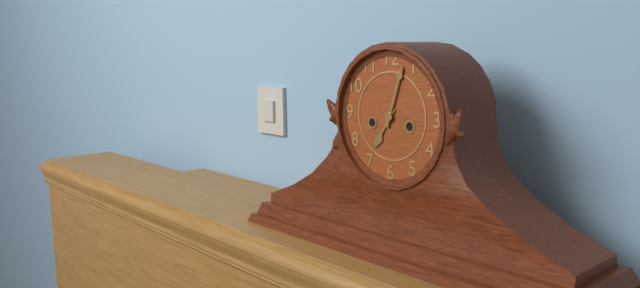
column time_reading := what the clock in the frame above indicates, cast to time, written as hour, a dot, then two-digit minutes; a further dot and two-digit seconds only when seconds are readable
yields 7.03
